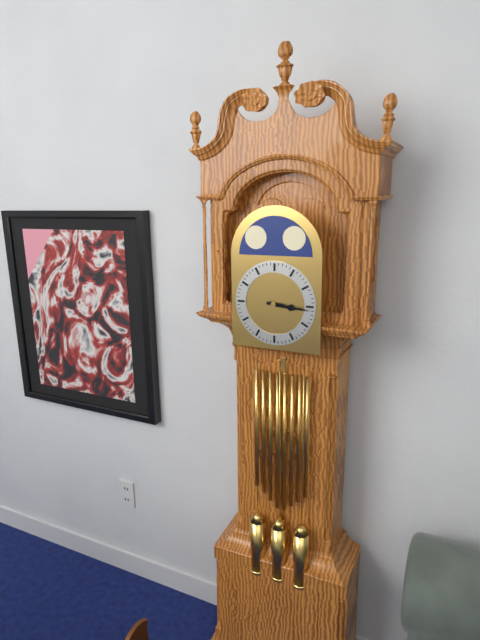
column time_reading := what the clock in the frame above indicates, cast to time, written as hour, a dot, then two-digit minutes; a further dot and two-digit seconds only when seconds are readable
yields 3.16
